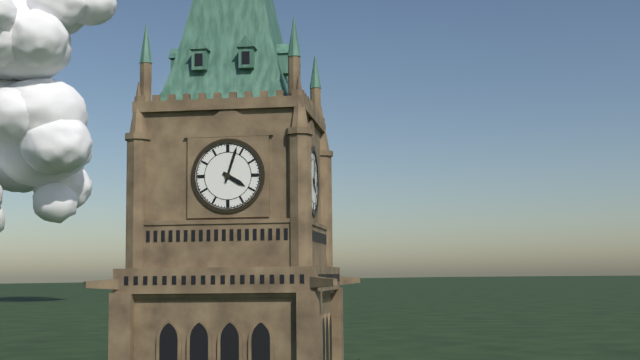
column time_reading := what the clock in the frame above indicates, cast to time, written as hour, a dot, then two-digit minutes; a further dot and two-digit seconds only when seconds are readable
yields 4.03
